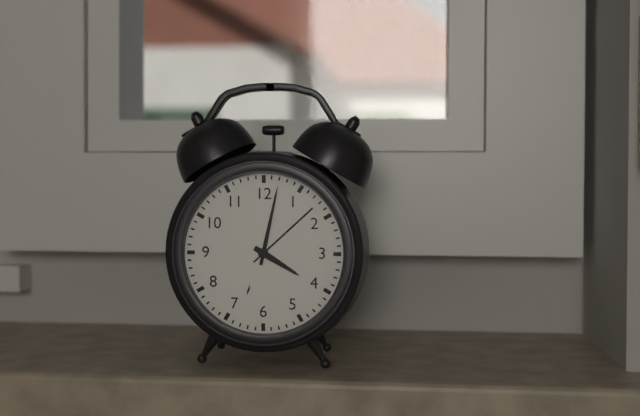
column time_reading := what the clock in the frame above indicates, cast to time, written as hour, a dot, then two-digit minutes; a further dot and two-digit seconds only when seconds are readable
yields 4.02
